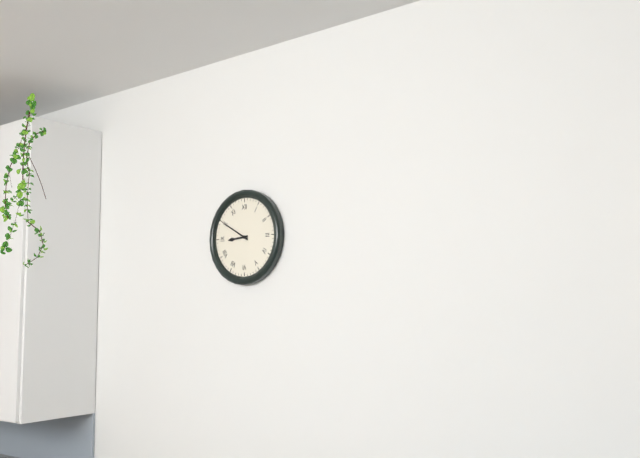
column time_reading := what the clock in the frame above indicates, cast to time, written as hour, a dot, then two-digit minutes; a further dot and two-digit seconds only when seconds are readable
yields 8.50
